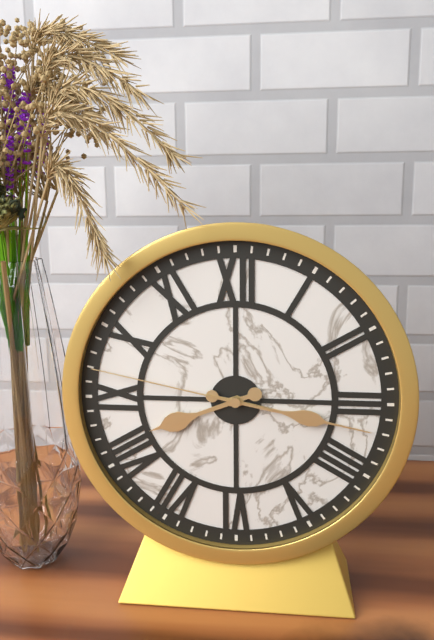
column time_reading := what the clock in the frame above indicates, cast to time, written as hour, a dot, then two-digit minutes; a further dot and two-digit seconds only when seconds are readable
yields 8.17.47
